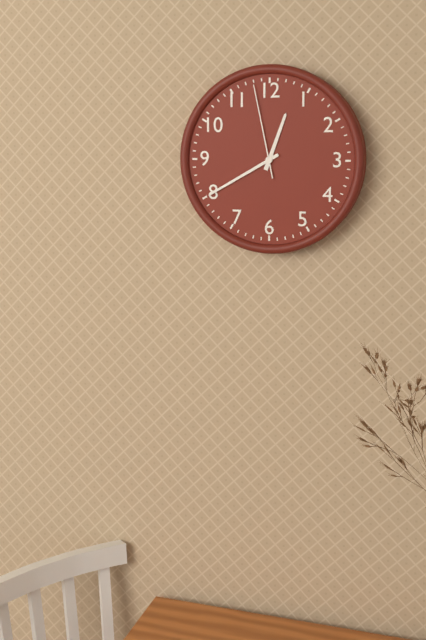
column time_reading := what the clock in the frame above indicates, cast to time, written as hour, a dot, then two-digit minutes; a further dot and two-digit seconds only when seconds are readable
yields 12.40.58
